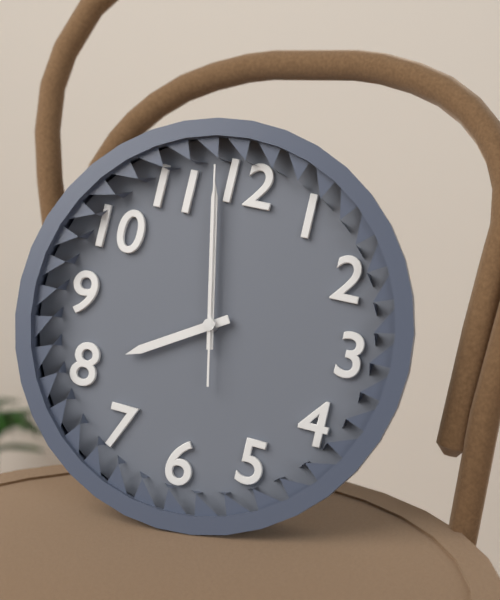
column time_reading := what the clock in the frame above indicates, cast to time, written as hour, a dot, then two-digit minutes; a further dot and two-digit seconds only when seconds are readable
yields 7.58.58
